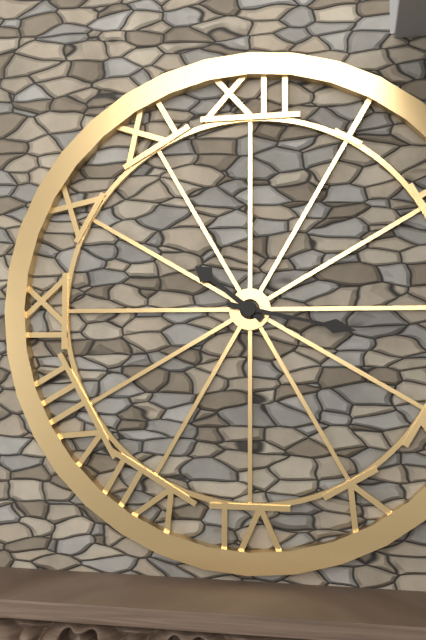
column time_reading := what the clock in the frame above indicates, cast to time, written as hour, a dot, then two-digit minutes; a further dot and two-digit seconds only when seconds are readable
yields 10.17
